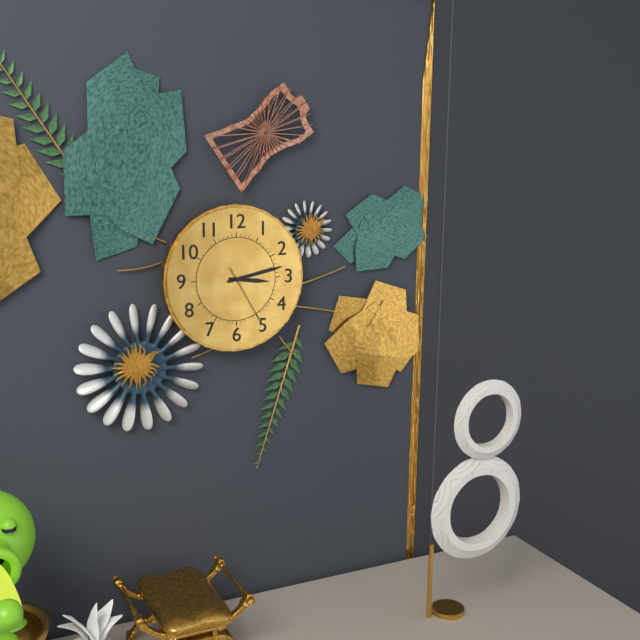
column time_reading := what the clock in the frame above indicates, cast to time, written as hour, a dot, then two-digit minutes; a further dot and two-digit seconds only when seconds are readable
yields 3.13.25
